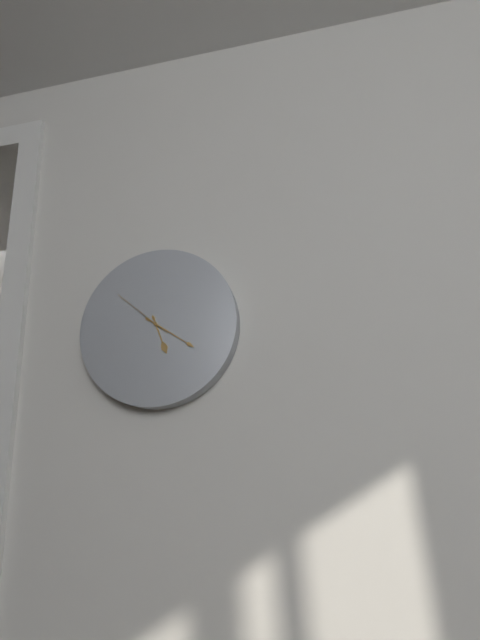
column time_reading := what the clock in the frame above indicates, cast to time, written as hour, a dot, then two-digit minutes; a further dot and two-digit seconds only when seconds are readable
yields 5.21.52
